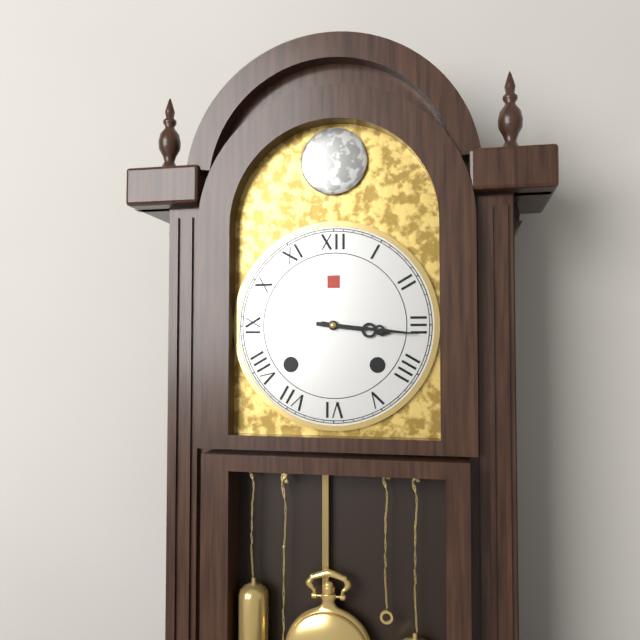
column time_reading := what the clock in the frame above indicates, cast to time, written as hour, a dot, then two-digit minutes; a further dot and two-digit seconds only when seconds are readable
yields 3.16
